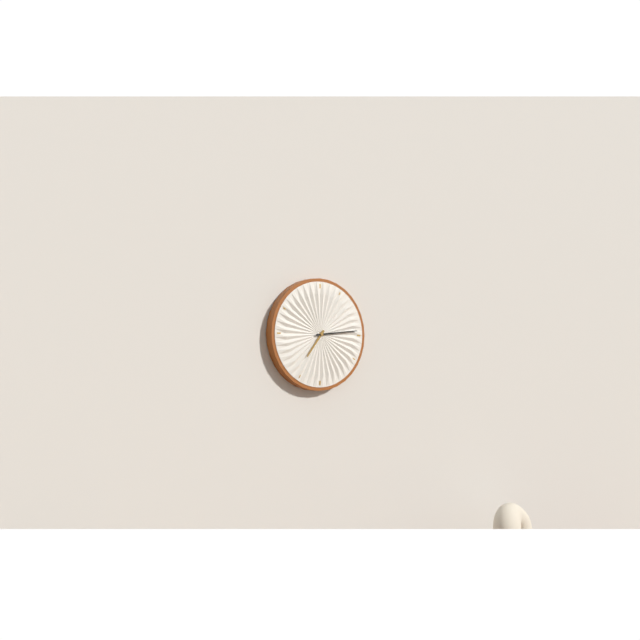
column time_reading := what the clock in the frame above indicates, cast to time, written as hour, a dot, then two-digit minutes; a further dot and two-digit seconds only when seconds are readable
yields 7.14
